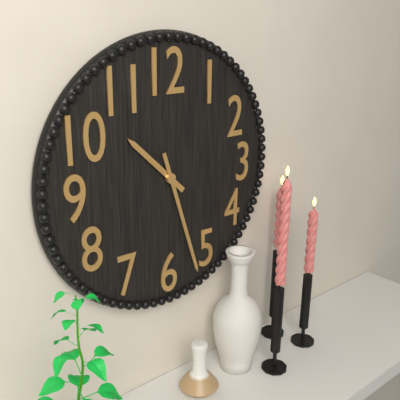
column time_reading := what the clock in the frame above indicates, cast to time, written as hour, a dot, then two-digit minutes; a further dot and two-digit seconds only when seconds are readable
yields 10.27
